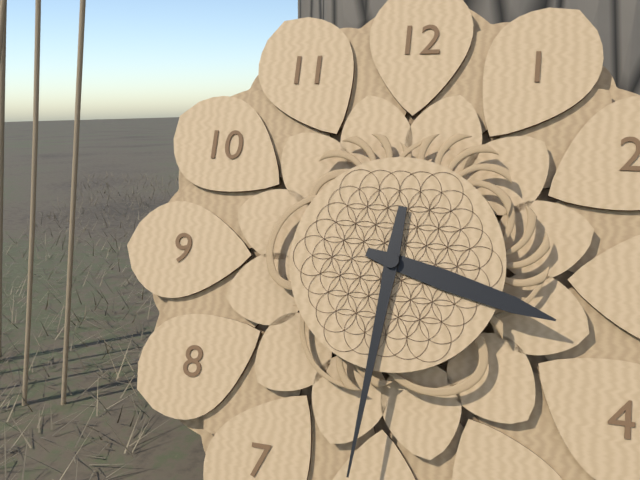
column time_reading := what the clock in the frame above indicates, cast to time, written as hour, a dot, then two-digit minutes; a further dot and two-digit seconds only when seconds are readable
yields 3.31
